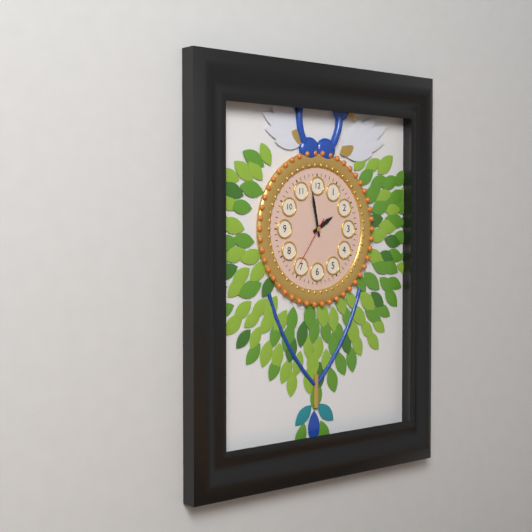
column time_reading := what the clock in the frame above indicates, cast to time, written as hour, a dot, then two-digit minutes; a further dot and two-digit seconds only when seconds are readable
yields 1.58.36
